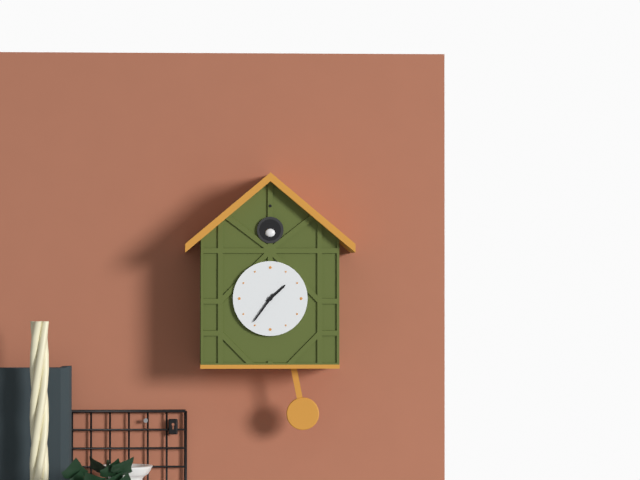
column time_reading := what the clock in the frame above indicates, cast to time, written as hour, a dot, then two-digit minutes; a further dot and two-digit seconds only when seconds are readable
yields 1.36
